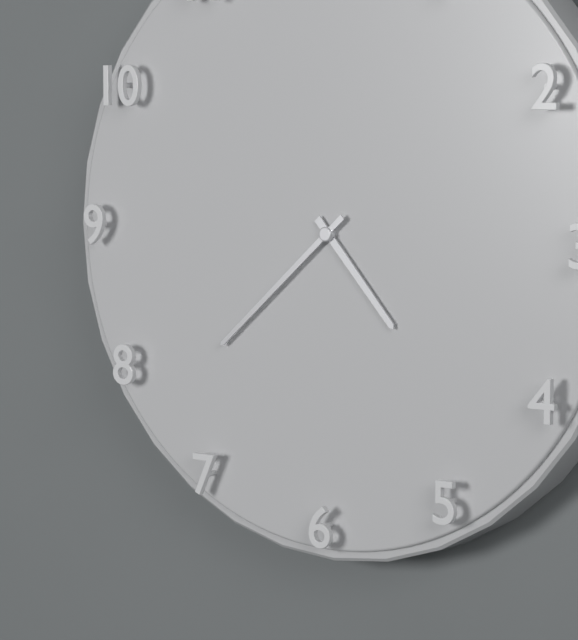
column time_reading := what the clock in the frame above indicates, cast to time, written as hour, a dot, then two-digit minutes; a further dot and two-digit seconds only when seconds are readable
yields 4.38
